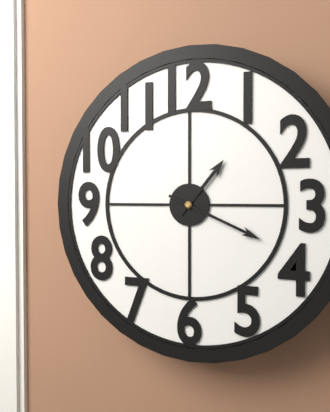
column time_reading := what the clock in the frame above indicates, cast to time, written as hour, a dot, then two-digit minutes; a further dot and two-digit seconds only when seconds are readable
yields 1.19
